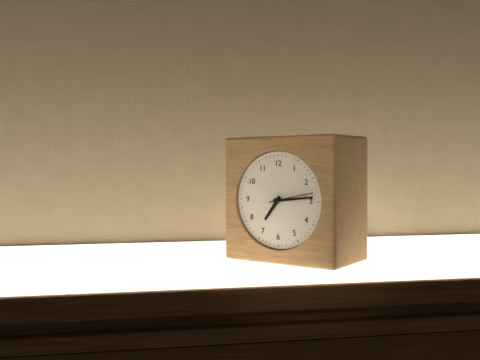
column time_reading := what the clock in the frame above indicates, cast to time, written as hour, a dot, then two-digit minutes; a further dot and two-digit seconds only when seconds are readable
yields 7.14
